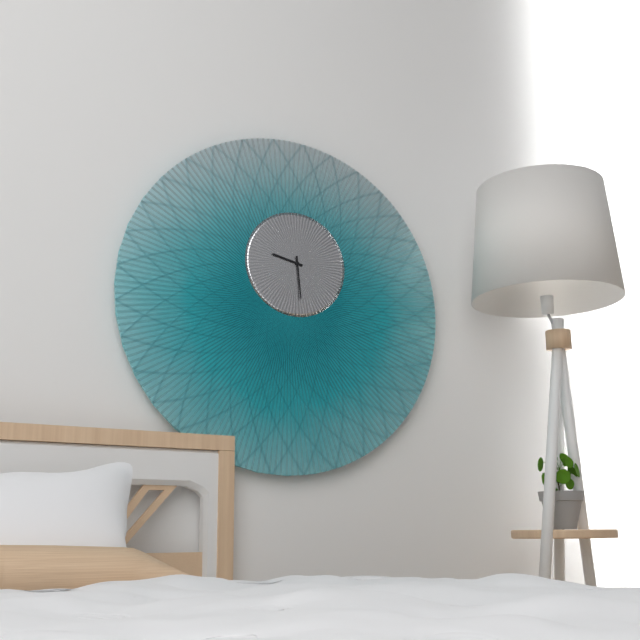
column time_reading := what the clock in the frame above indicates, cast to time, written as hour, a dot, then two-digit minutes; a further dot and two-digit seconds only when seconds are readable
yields 9.29
